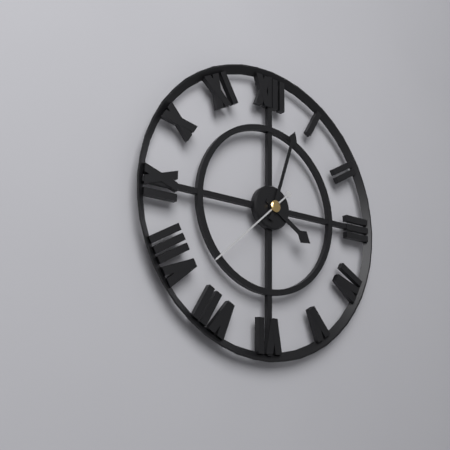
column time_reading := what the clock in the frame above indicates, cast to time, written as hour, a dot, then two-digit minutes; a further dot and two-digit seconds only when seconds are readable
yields 4.03.38
